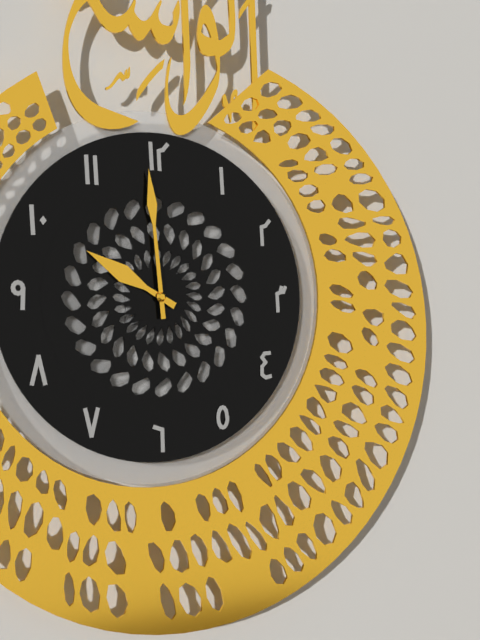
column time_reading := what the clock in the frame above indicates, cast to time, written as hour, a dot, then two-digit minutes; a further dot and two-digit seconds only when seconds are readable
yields 9.59
